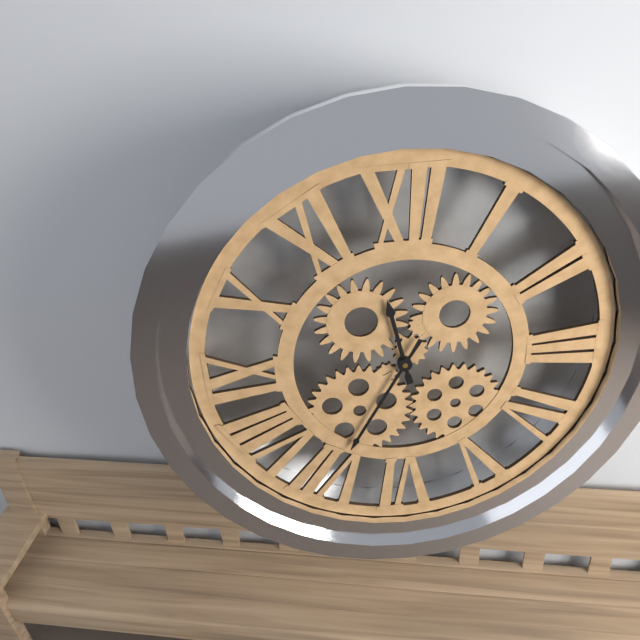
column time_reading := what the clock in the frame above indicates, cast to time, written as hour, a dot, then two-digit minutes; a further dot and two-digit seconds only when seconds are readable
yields 11.35
